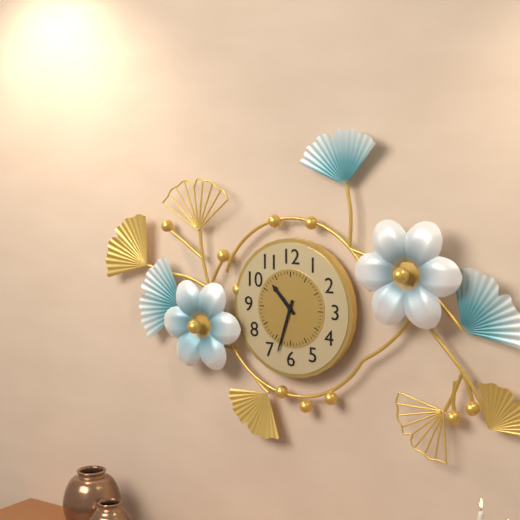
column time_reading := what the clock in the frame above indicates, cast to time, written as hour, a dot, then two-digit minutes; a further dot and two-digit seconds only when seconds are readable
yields 10.33
